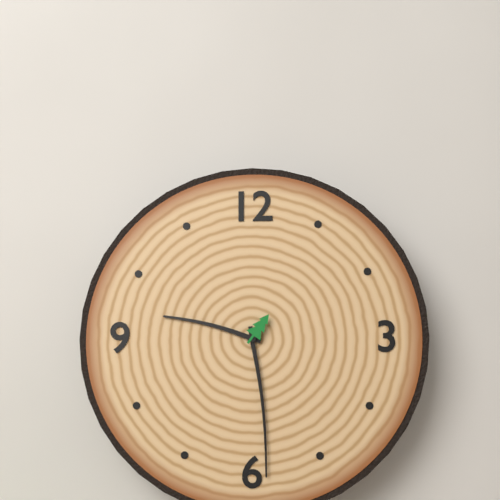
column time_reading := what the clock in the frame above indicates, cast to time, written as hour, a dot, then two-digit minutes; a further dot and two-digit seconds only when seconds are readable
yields 9.29
